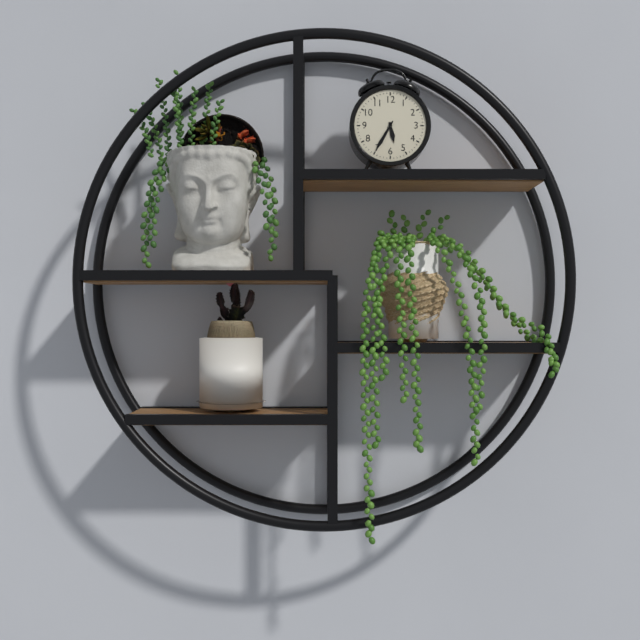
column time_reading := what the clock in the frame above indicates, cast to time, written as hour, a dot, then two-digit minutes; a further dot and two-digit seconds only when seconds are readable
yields 5.35
